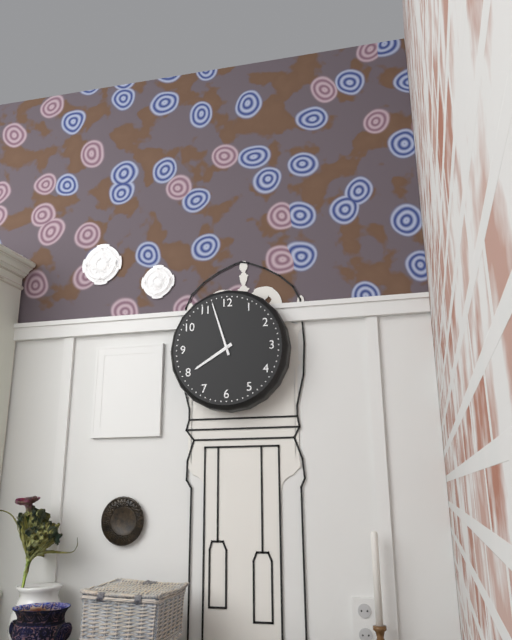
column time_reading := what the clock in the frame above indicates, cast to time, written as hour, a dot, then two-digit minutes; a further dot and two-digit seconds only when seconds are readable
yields 7.57
